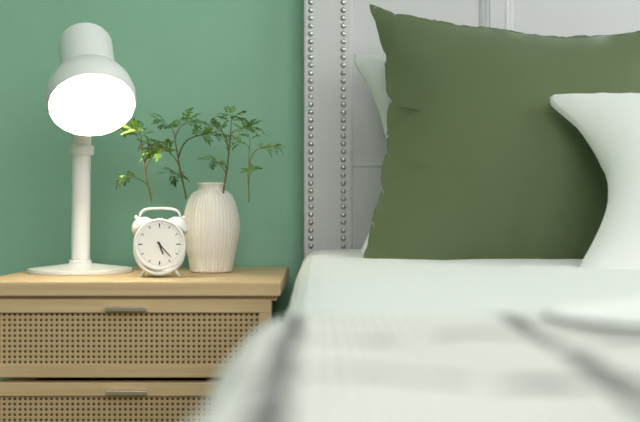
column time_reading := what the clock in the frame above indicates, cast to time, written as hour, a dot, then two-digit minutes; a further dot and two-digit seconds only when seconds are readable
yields 5.23
